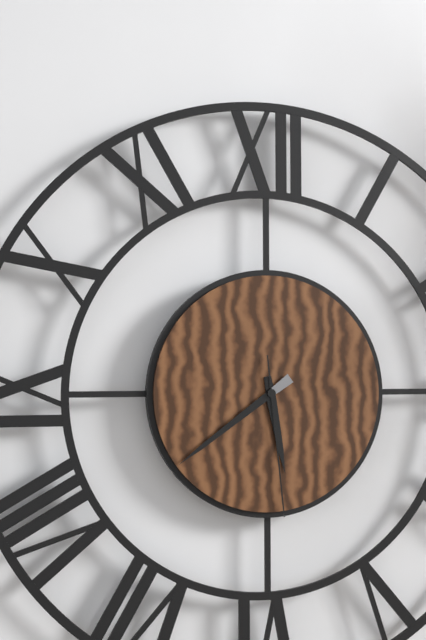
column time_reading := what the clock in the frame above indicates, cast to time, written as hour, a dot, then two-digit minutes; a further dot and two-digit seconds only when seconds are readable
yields 5.39.29
